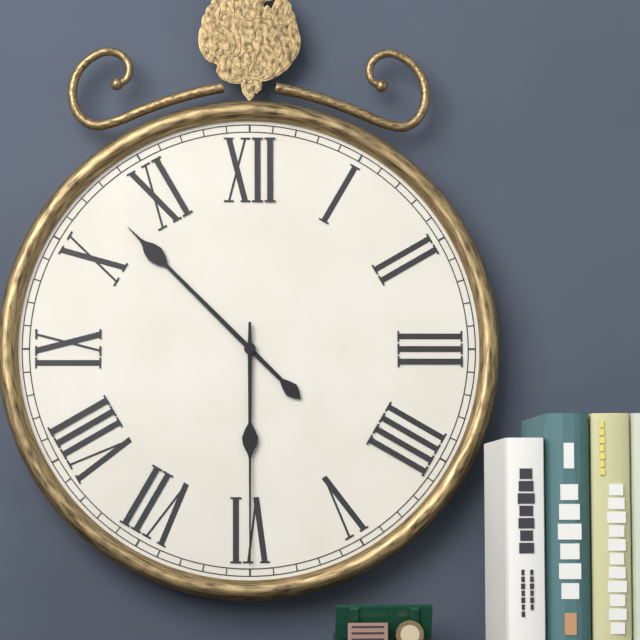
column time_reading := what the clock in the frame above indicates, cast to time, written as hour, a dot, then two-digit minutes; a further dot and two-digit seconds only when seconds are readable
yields 10.30
